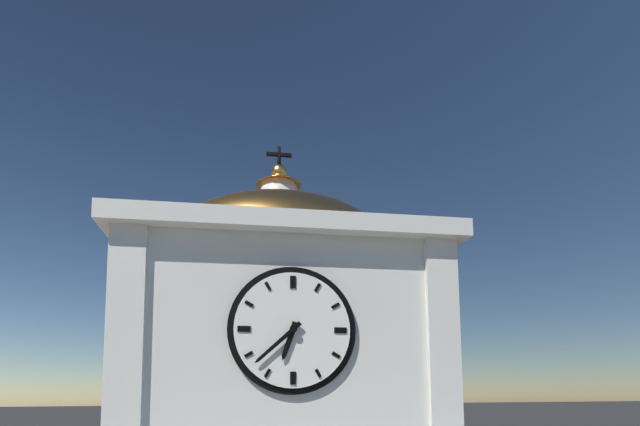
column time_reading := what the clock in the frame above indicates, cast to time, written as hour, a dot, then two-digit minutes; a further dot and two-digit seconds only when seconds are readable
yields 6.38
